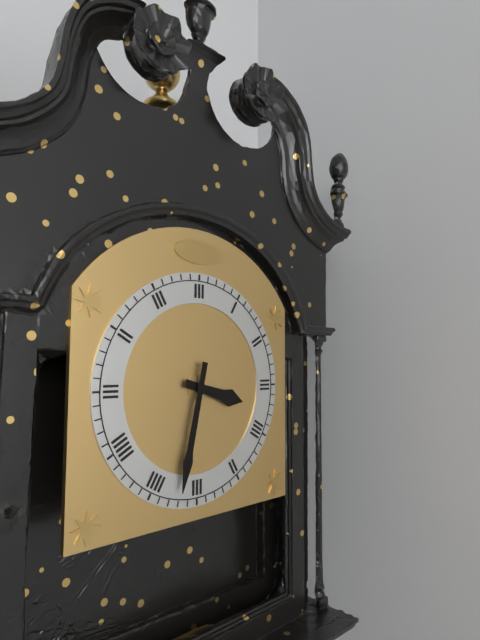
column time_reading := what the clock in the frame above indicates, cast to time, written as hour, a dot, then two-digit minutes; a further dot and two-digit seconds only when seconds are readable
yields 3.32
